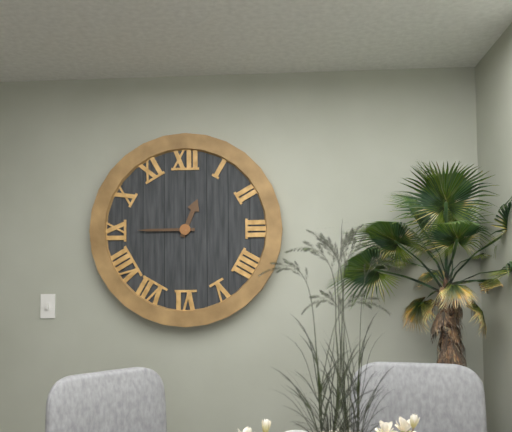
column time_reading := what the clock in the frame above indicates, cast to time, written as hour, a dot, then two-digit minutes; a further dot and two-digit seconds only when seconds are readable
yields 12.45
